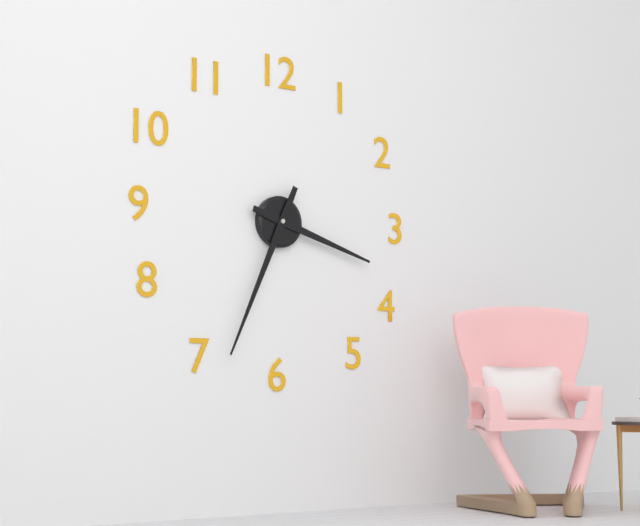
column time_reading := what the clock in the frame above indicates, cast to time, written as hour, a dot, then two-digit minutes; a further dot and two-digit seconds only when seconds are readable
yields 3.34
